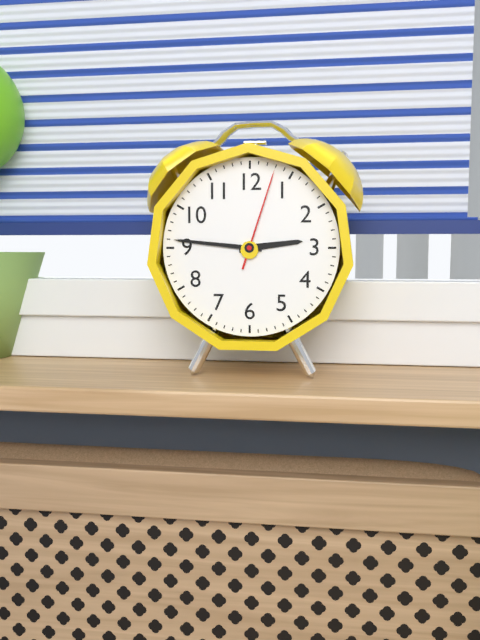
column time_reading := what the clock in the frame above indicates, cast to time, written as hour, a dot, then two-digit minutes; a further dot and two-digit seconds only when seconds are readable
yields 2.46.03
